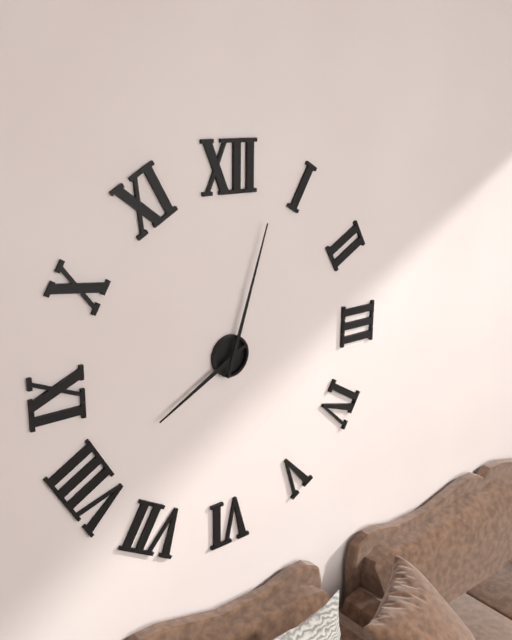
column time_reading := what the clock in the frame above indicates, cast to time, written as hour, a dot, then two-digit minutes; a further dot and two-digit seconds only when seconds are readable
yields 8.03
